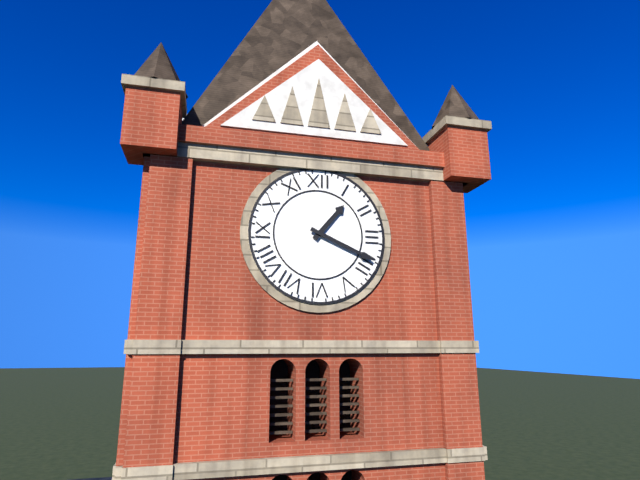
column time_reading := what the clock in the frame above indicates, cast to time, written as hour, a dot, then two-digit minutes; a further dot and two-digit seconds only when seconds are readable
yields 1.19
